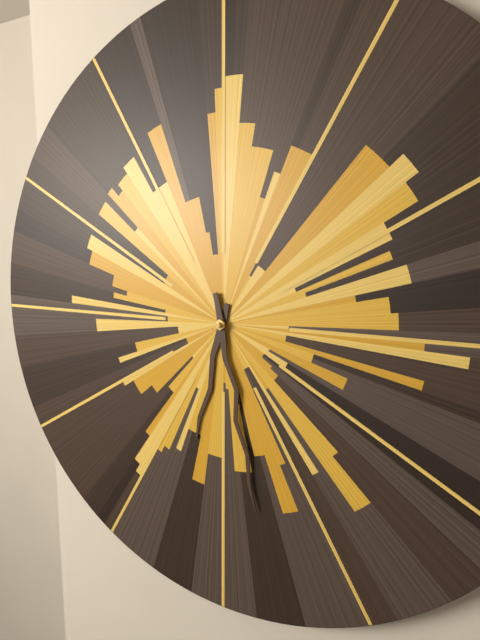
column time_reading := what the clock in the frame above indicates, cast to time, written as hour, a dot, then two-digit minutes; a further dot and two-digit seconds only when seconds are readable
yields 6.28
